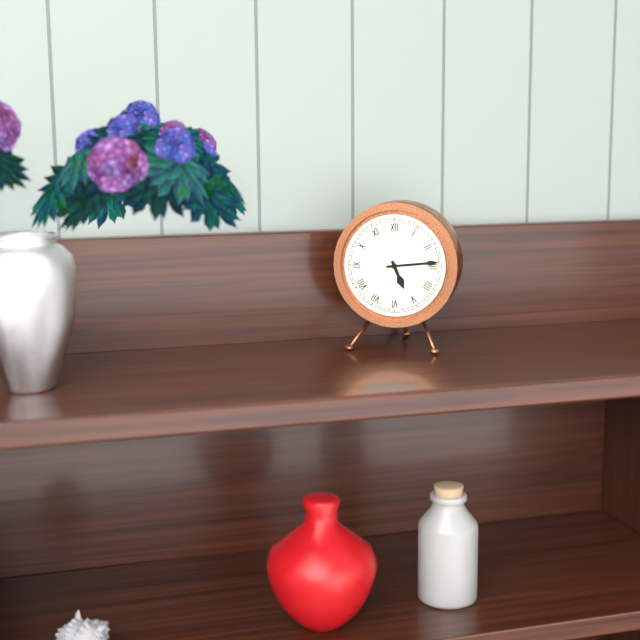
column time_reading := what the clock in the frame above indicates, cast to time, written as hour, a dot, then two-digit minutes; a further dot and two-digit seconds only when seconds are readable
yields 5.14
